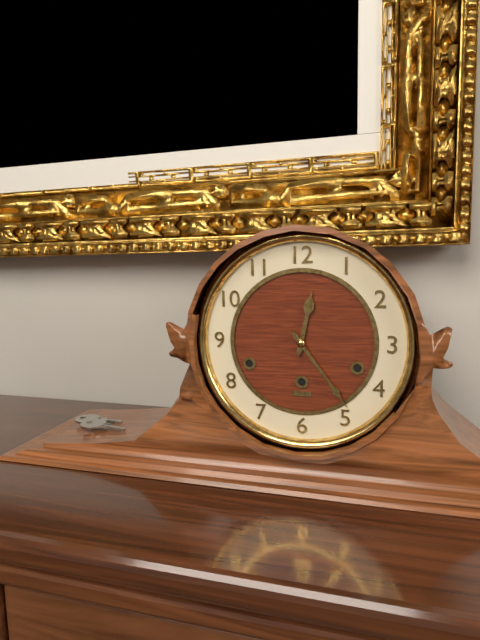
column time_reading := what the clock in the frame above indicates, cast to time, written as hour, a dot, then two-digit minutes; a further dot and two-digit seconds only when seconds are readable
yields 12.24
